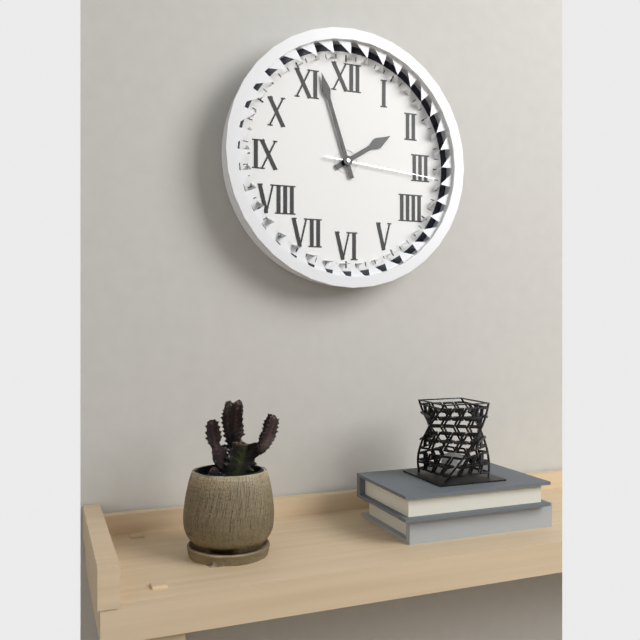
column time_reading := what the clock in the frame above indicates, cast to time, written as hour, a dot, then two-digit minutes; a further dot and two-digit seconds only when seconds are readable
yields 1.57.16
